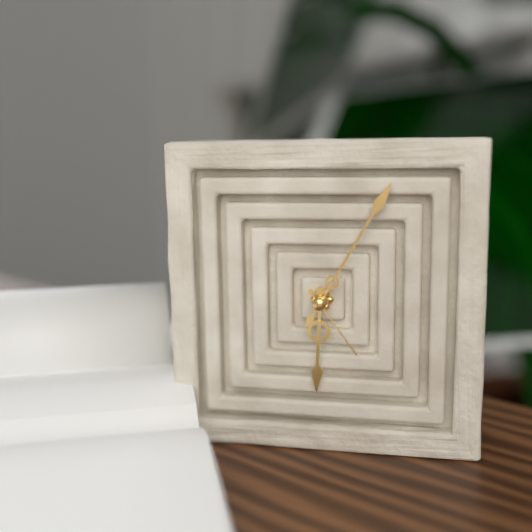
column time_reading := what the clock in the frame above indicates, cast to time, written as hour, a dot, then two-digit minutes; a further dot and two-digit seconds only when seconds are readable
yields 6.05.24
